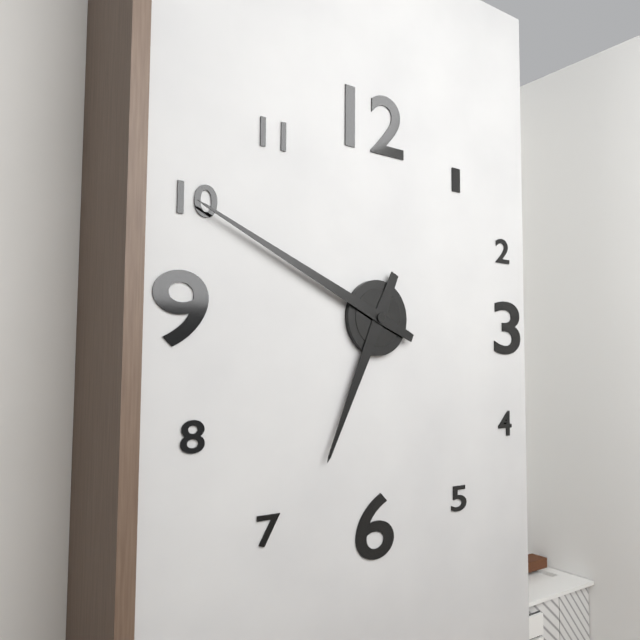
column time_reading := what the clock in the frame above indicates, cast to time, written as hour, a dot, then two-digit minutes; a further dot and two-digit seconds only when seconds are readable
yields 6.49
